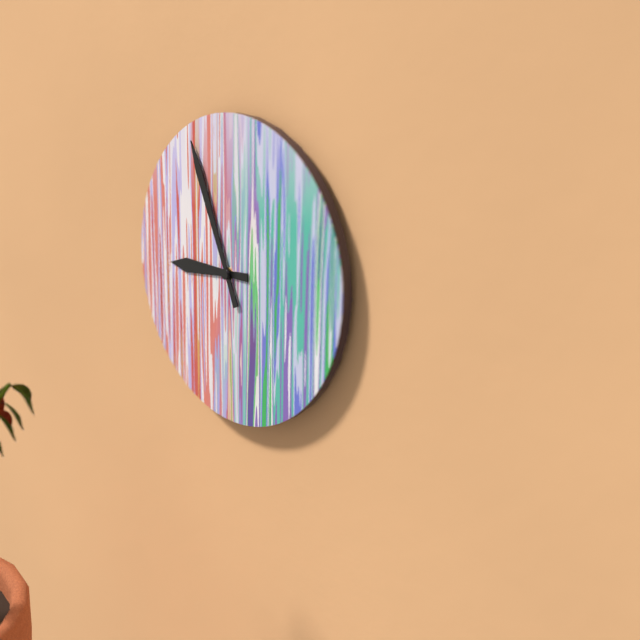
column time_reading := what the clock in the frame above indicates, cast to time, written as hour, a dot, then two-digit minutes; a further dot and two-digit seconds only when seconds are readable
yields 8.56
